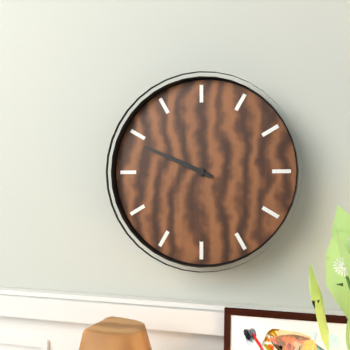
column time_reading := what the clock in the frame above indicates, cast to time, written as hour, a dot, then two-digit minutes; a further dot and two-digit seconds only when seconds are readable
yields 9.49
